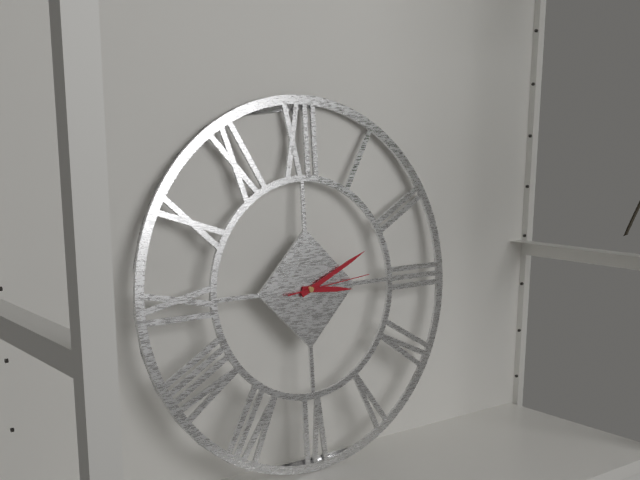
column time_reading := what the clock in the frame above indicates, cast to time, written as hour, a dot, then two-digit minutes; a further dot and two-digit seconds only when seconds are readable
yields 3.11.14
